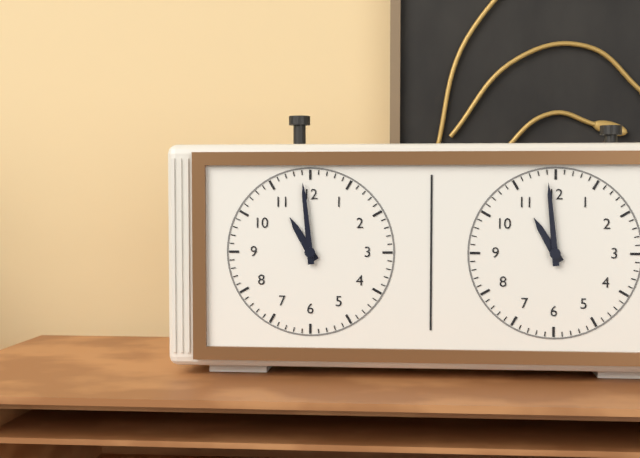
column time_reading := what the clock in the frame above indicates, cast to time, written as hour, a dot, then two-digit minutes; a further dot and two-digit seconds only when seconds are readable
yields 10.59
